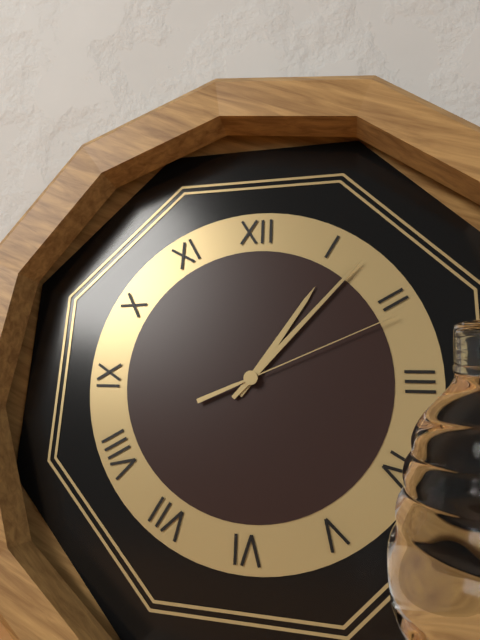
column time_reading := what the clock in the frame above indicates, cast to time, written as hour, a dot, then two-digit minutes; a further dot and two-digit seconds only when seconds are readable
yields 1.07.11
